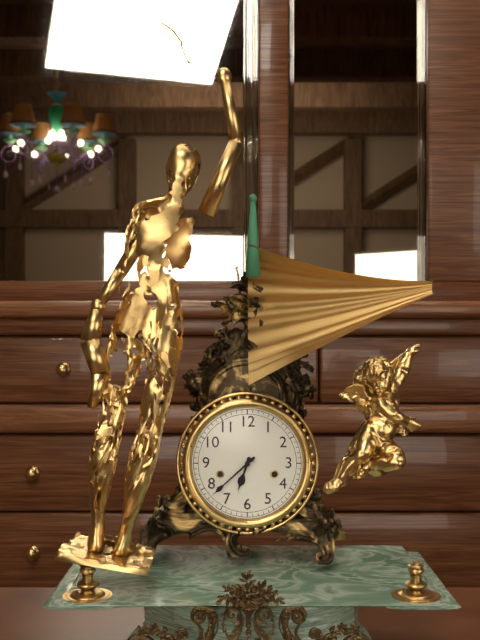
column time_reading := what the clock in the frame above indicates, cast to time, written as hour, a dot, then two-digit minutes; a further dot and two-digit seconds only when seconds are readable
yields 6.38
